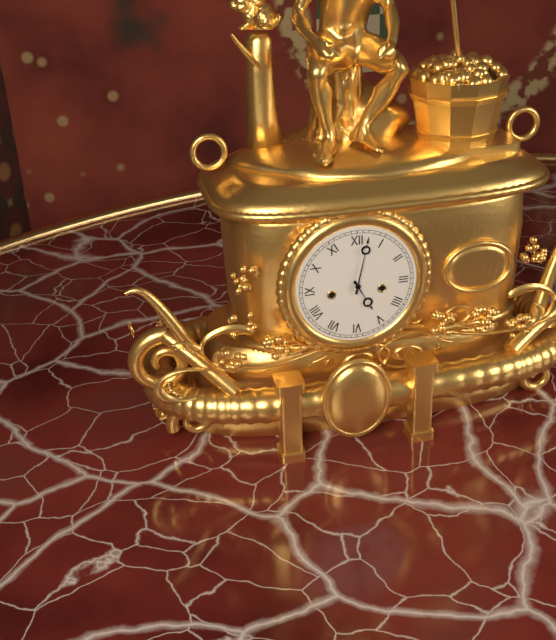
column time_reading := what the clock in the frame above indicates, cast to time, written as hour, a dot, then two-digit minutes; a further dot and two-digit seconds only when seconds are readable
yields 5.02
